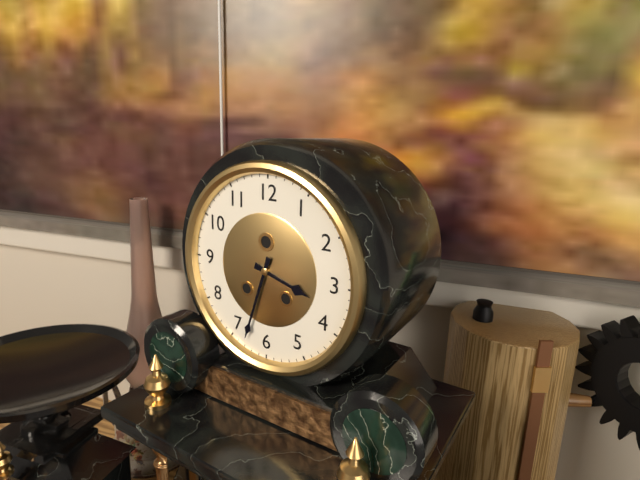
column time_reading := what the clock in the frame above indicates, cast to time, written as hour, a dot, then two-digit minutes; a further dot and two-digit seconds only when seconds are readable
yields 3.33
